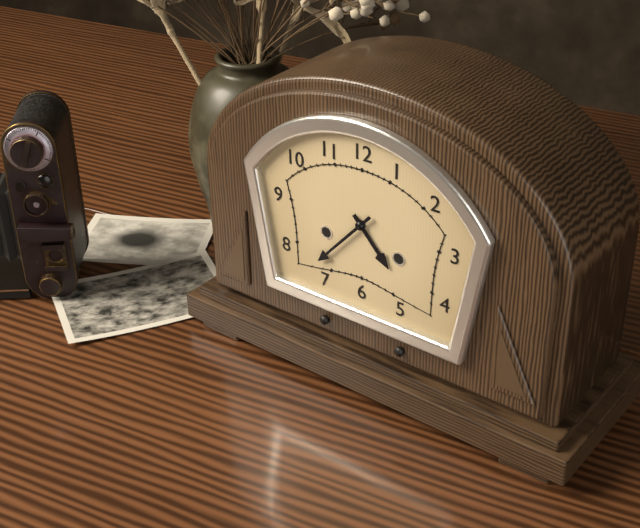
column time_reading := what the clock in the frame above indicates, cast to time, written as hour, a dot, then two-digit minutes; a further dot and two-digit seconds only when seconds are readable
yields 4.37
